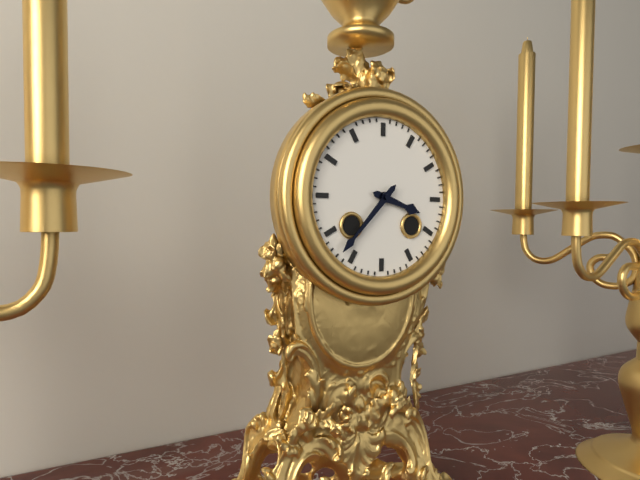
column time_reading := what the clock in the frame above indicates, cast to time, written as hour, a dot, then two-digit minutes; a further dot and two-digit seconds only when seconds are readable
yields 3.37
